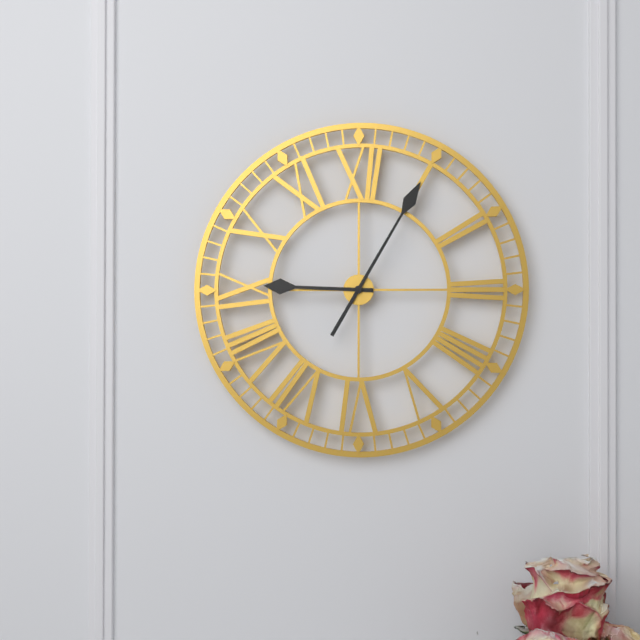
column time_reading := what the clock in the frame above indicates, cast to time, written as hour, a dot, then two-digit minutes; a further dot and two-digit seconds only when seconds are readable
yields 9.05
